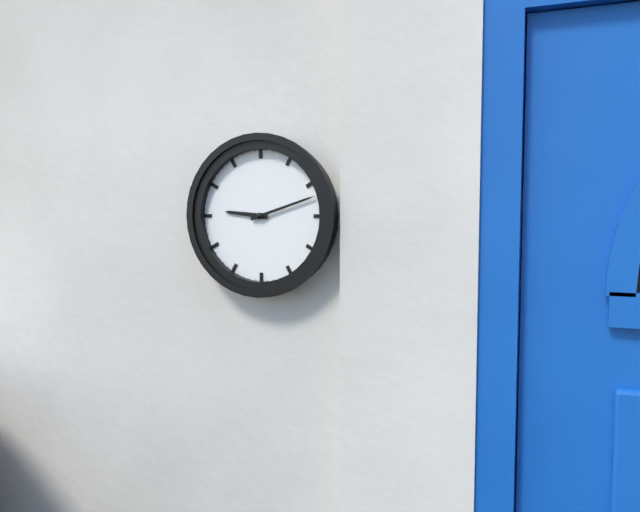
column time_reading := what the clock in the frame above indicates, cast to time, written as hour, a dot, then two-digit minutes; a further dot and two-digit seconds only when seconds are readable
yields 9.12
